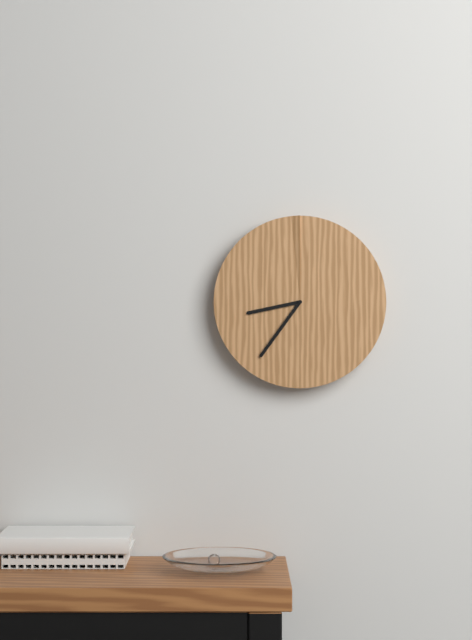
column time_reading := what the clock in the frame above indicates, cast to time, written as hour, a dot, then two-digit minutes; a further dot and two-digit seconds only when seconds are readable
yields 8.36
